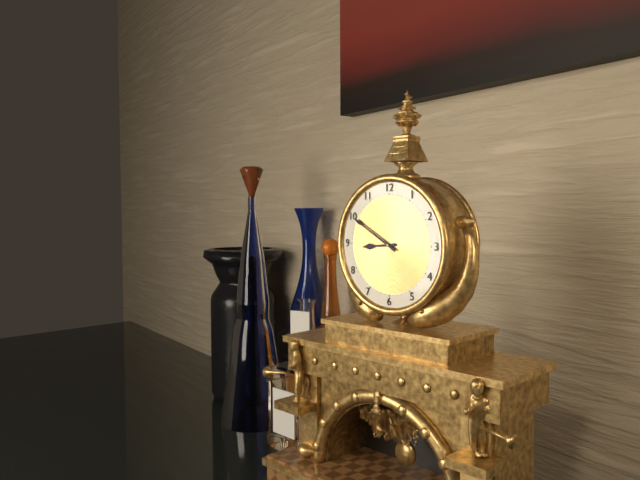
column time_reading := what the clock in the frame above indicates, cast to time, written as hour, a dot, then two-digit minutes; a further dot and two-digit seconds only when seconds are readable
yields 8.50
